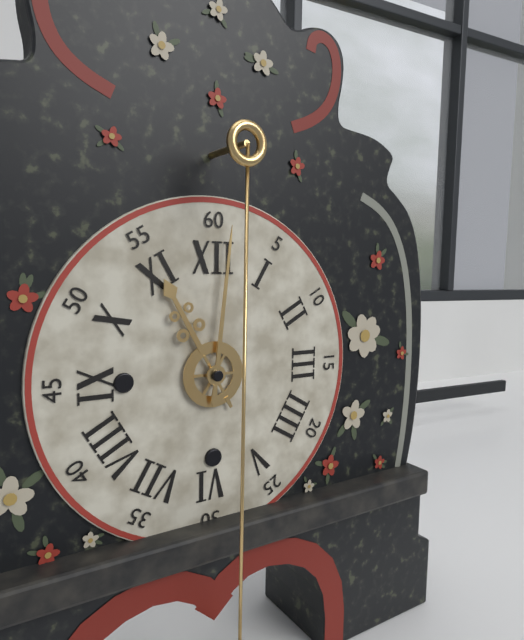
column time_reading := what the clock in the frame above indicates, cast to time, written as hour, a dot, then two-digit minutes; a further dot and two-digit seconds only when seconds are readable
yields 11.01
